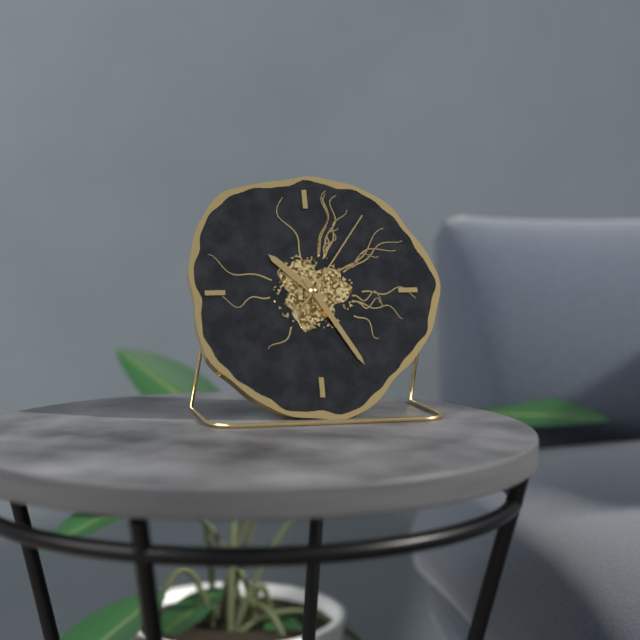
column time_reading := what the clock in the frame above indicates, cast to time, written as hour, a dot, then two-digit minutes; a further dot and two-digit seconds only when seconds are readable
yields 10.25.06
